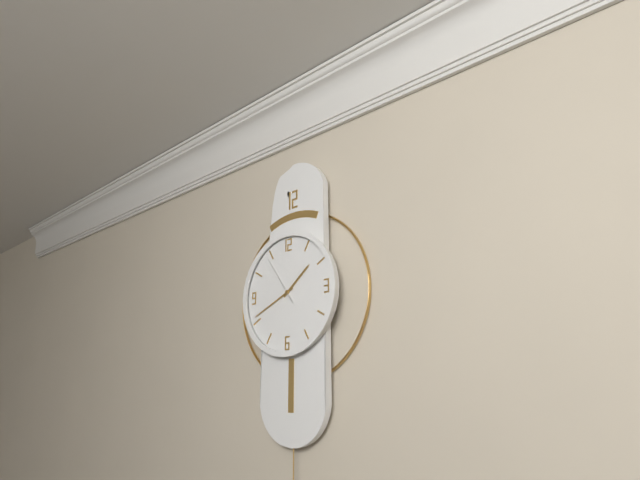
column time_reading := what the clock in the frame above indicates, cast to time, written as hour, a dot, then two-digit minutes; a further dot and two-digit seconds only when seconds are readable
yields 1.41.54
